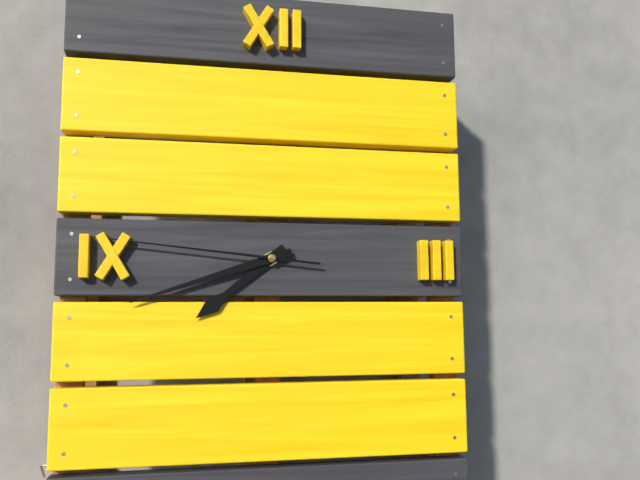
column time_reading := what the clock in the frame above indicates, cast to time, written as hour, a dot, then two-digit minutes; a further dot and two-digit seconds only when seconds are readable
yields 7.42.46
